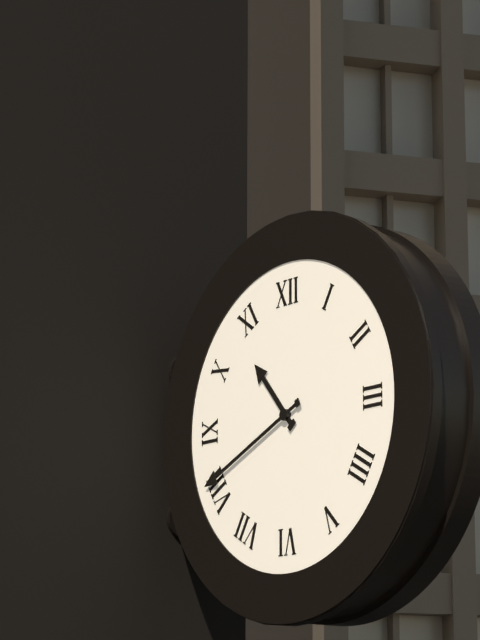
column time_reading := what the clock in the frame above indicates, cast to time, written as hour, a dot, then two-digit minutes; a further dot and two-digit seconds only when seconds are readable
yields 10.41
